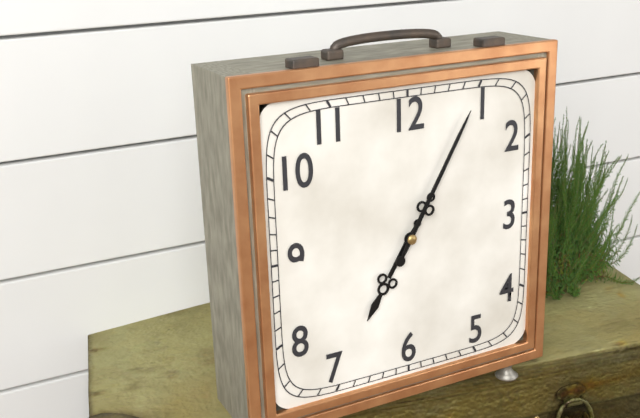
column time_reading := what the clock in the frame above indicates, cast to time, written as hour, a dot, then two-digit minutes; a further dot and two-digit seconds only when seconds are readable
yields 7.05
